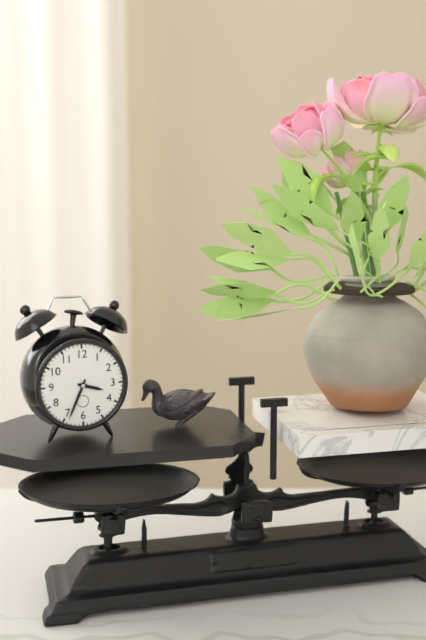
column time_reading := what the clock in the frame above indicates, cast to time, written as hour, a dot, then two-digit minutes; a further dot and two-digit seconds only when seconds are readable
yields 3.34
